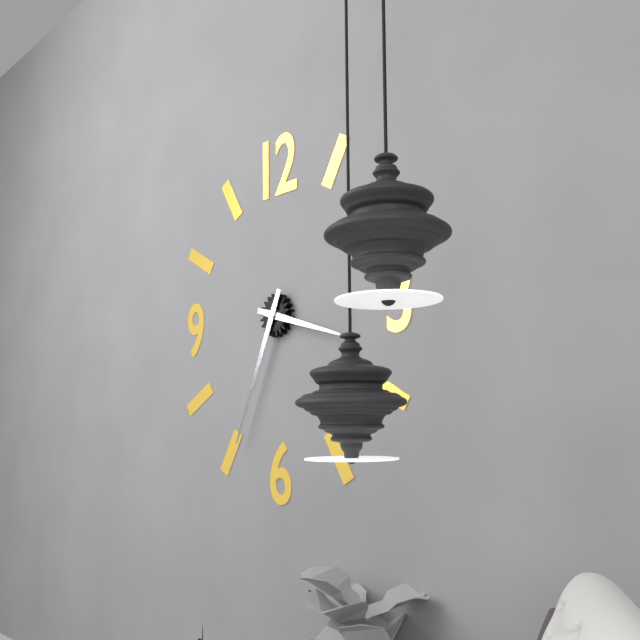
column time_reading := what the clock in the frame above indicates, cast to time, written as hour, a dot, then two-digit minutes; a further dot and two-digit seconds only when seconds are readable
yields 3.34
